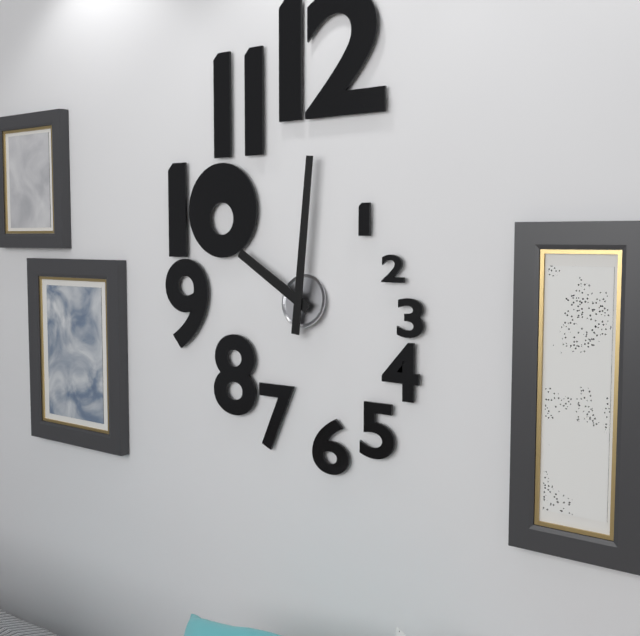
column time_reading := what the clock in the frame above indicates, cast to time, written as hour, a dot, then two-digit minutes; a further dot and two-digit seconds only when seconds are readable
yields 10.01
